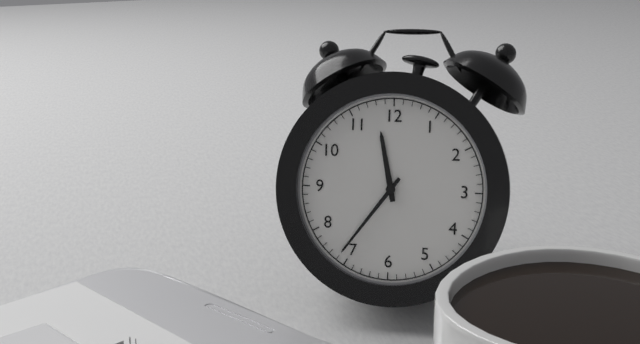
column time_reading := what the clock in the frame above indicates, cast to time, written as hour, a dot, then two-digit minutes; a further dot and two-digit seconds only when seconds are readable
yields 11.36
